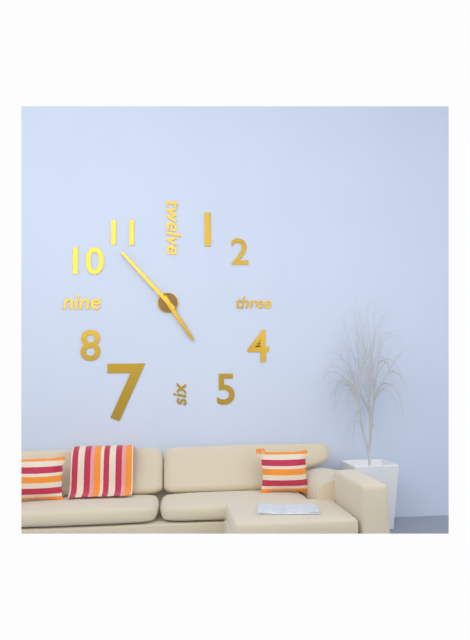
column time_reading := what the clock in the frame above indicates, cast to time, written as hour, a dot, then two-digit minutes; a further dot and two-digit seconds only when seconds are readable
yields 4.53
